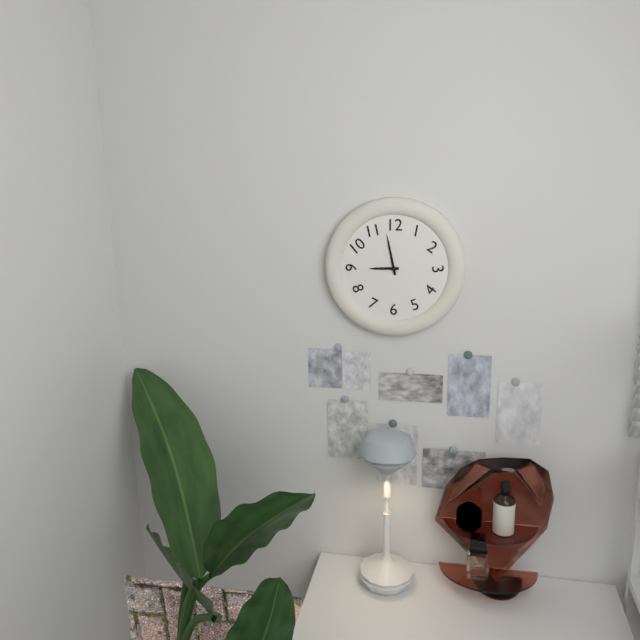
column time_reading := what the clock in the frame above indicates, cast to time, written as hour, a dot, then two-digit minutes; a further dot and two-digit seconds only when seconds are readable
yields 8.58
